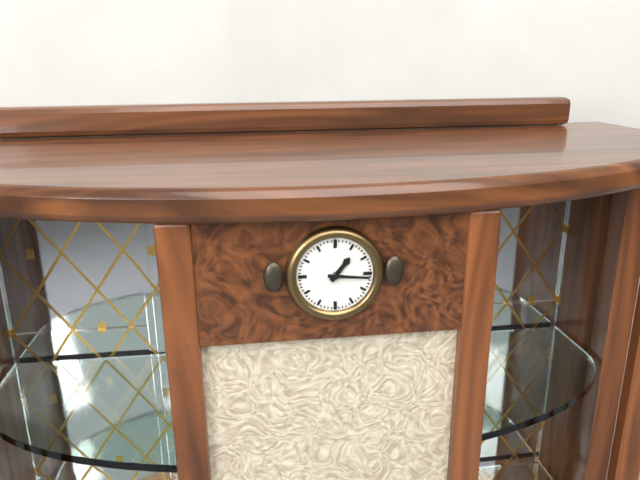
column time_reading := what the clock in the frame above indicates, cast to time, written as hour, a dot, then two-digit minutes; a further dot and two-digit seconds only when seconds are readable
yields 1.16
